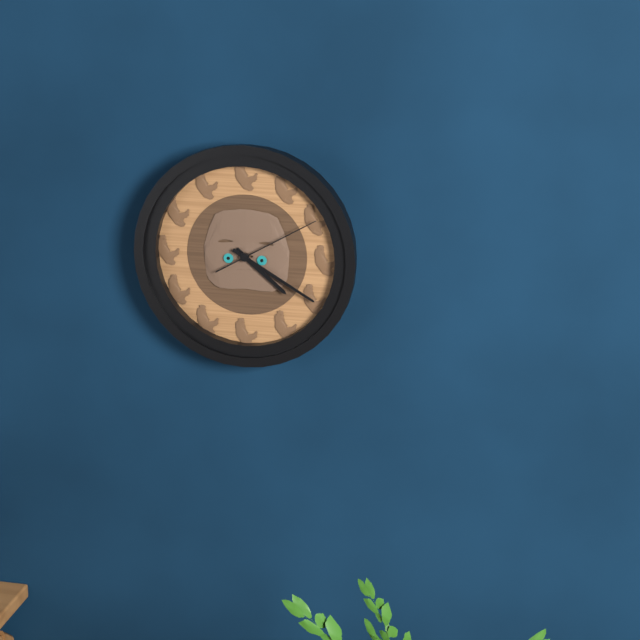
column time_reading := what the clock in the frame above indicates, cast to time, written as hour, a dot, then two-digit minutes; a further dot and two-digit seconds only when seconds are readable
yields 4.20.10
